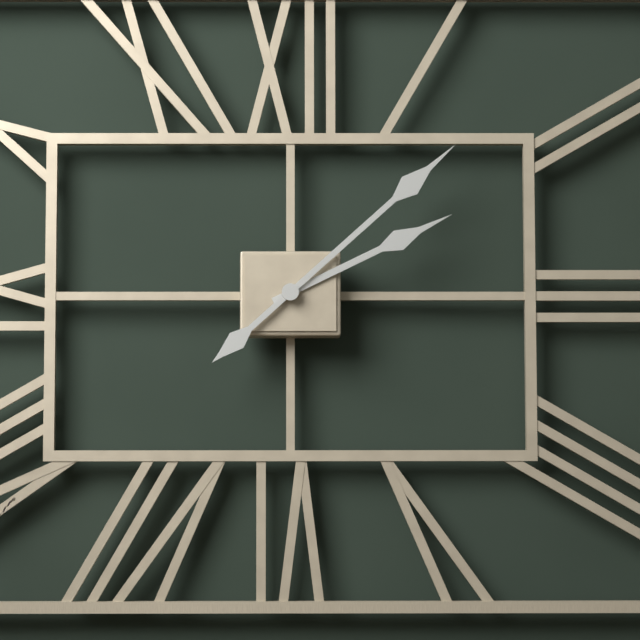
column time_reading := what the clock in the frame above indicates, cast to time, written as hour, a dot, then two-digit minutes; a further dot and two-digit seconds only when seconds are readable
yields 2.08
